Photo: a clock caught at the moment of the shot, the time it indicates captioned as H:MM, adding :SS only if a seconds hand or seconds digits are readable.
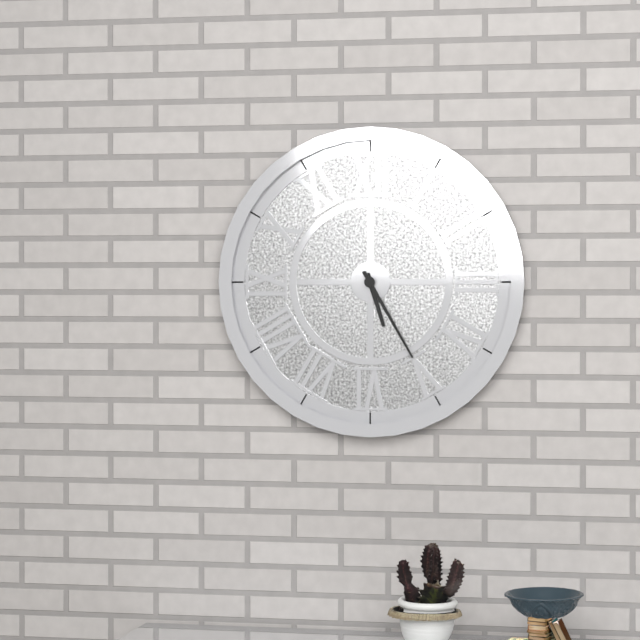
5:25
